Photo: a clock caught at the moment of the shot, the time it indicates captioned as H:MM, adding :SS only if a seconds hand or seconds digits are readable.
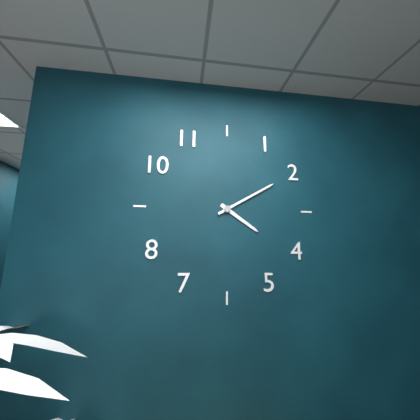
4:10
